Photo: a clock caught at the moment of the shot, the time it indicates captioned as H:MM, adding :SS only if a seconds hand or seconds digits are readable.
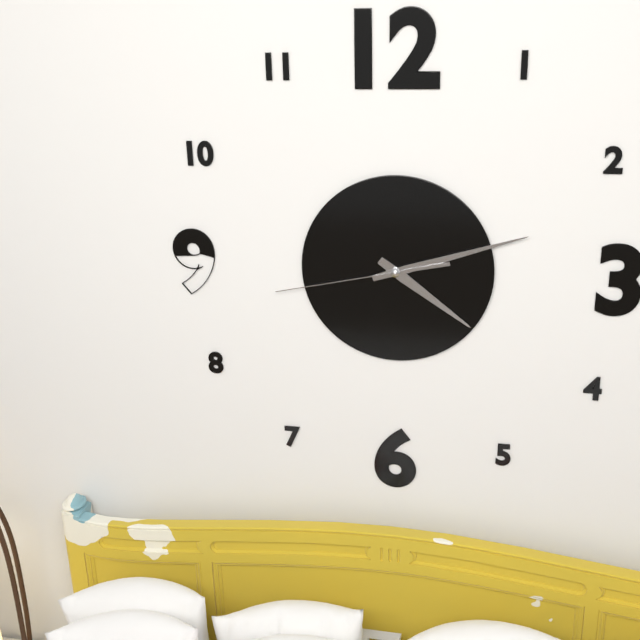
4:12:43
